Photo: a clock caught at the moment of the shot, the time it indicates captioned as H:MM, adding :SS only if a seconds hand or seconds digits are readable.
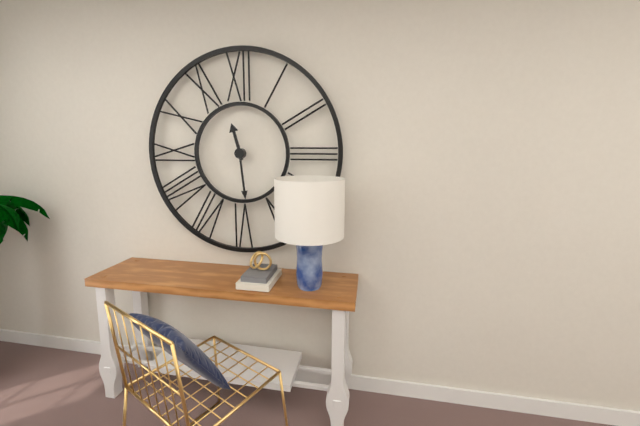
11:29
